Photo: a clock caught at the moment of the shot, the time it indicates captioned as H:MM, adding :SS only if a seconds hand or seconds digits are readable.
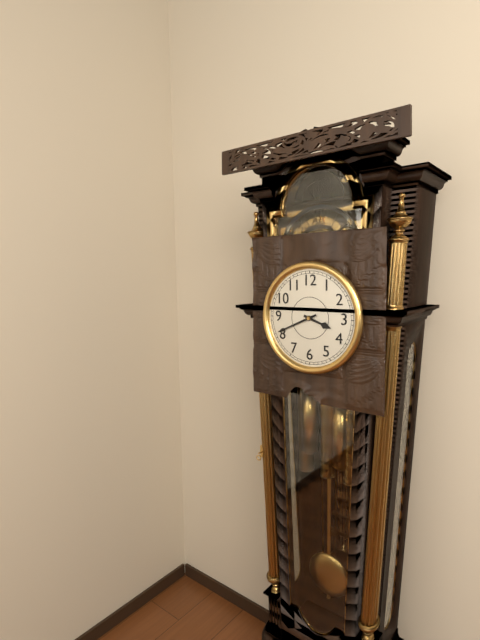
3:41
